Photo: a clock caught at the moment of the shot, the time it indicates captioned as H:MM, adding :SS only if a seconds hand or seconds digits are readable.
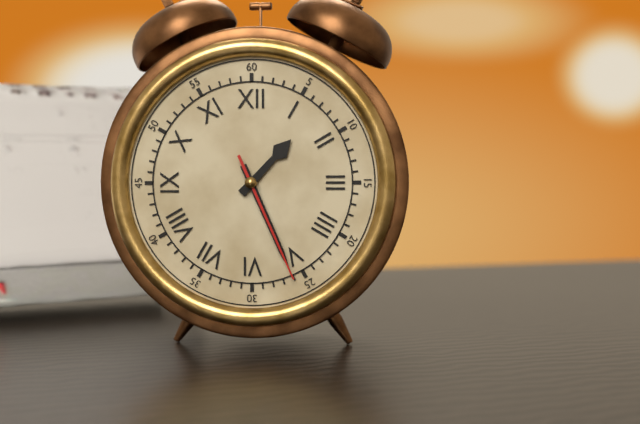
1:26:26
